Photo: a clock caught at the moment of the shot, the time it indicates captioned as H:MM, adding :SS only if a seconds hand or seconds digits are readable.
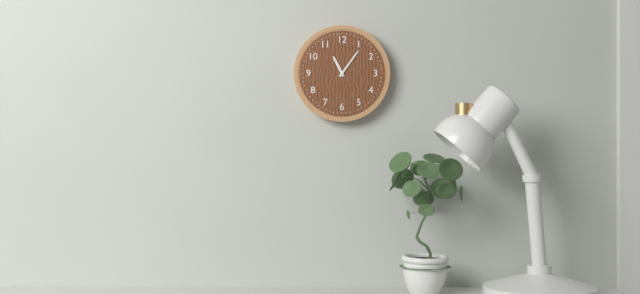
11:06
